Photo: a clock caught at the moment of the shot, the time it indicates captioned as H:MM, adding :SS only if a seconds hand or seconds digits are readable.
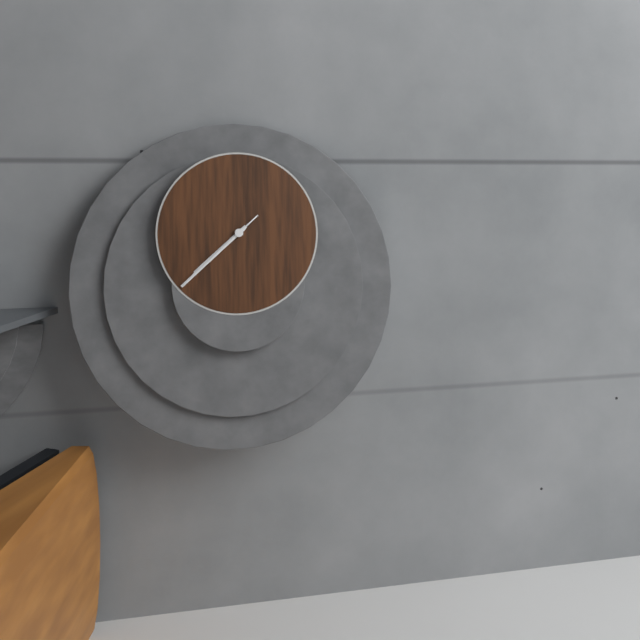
7:38:38
